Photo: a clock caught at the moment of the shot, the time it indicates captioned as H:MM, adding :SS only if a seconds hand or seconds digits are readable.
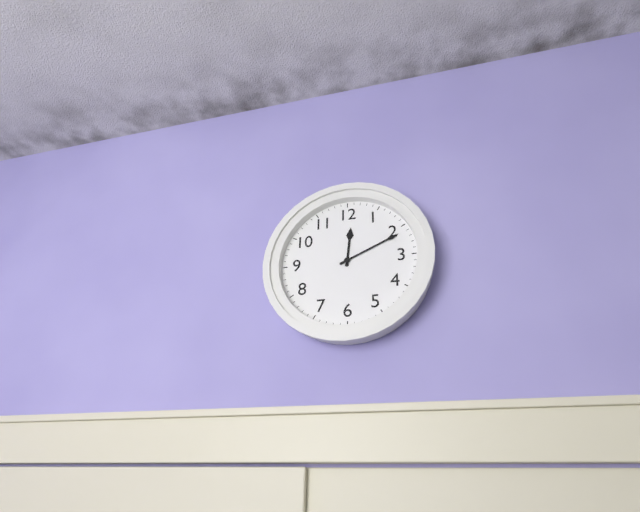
12:11
